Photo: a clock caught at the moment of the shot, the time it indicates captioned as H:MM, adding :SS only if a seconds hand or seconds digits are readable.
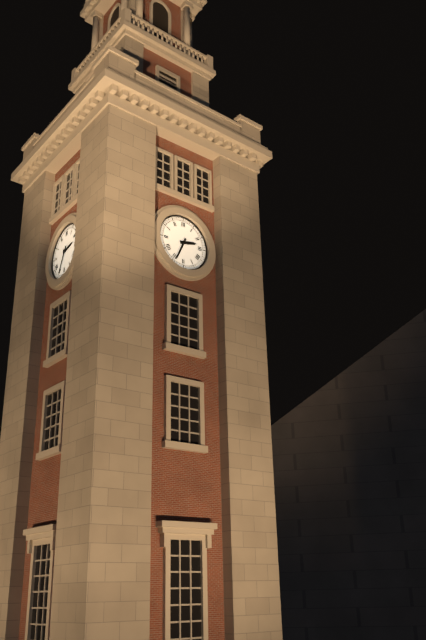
2:34
